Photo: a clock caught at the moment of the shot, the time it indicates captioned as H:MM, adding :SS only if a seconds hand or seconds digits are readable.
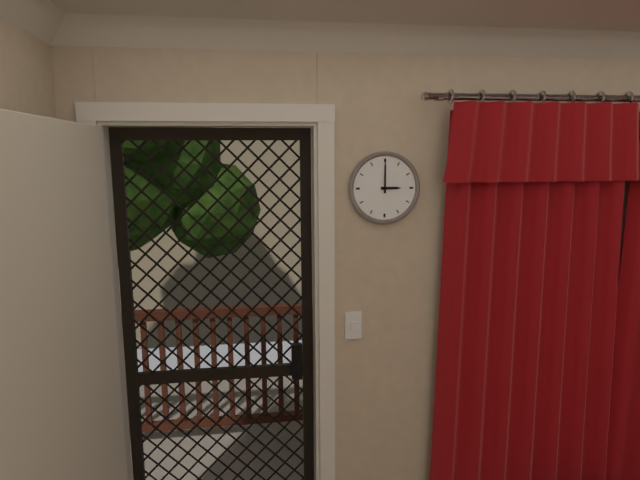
3:00
